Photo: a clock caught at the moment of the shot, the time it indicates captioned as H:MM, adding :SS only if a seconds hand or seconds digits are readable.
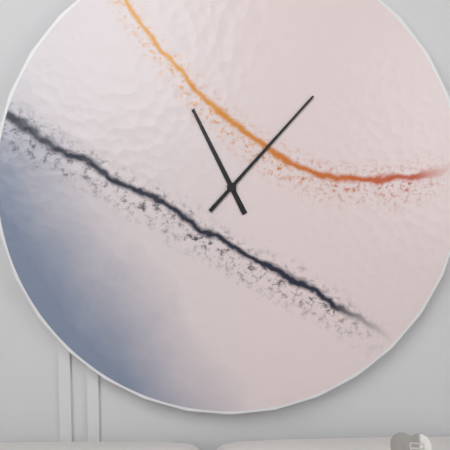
11:07
